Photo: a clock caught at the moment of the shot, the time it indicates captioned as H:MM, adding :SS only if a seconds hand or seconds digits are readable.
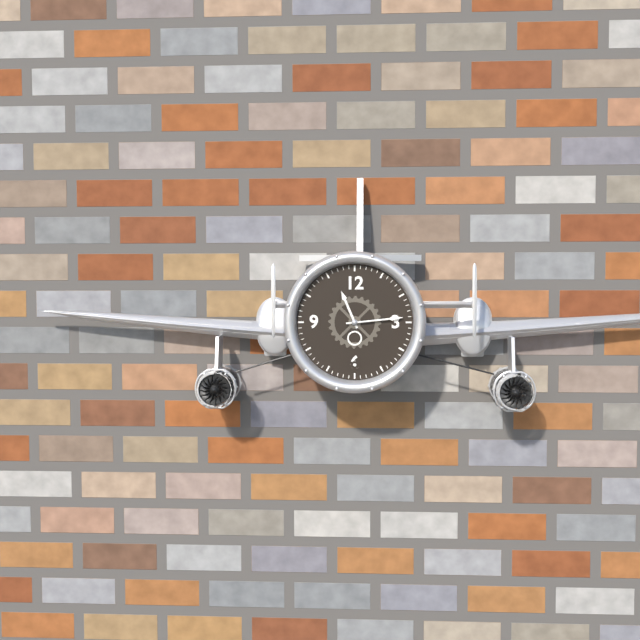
11:14
